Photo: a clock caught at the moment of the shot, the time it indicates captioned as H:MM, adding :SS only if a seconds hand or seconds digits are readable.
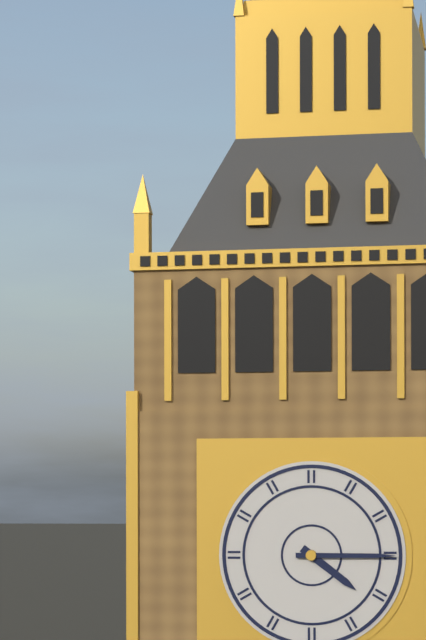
4:15
